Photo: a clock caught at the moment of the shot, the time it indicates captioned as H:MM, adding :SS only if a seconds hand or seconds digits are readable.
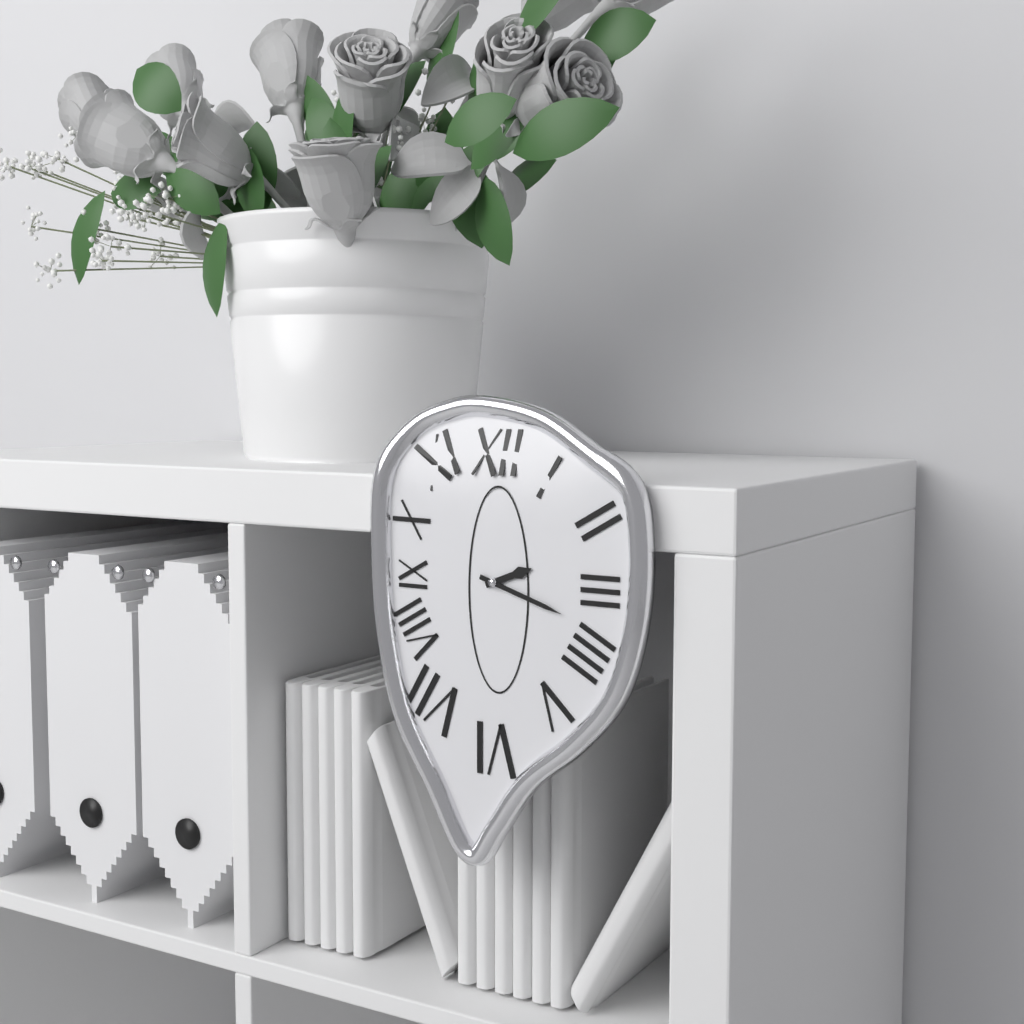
2:18
